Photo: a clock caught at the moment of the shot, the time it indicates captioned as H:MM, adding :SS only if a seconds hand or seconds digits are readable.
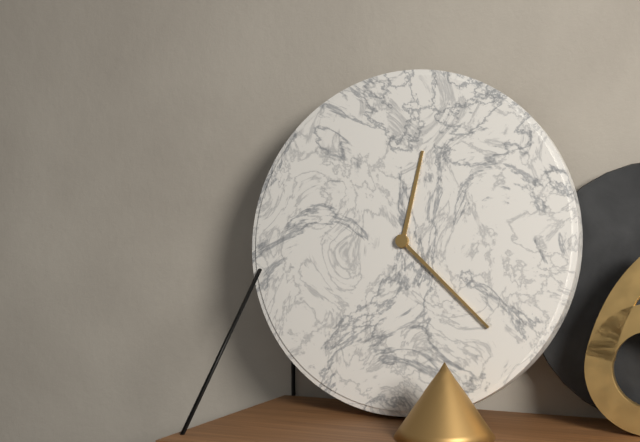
12:22
